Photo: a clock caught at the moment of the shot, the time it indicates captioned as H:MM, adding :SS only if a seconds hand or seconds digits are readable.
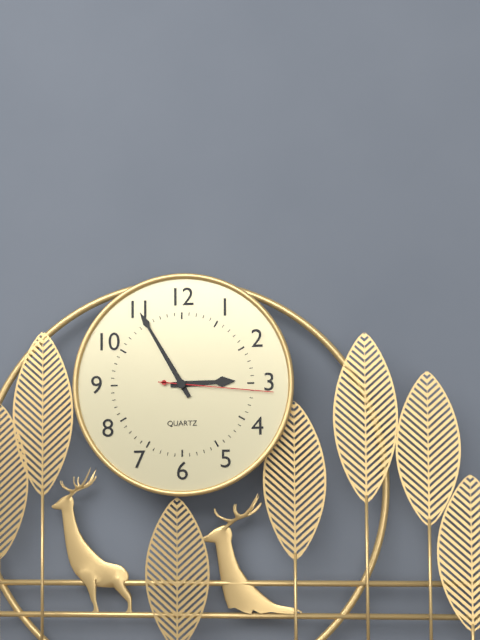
2:55:16
